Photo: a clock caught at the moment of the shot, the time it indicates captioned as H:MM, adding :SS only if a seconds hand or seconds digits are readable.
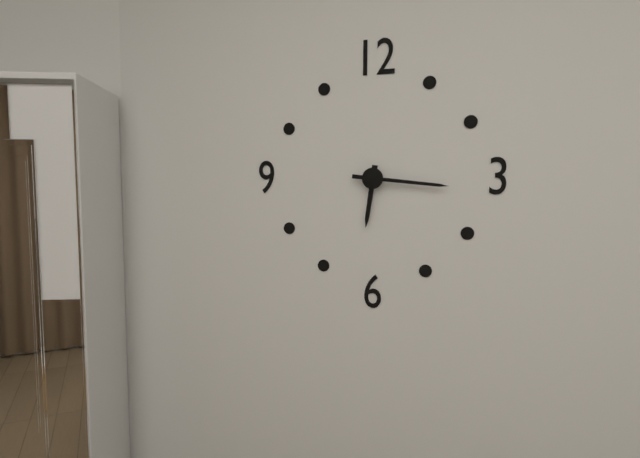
6:16
